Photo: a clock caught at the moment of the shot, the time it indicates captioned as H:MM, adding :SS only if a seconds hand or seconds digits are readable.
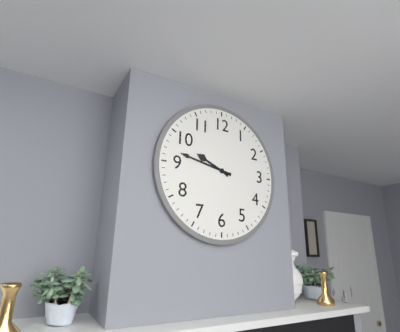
9:47
